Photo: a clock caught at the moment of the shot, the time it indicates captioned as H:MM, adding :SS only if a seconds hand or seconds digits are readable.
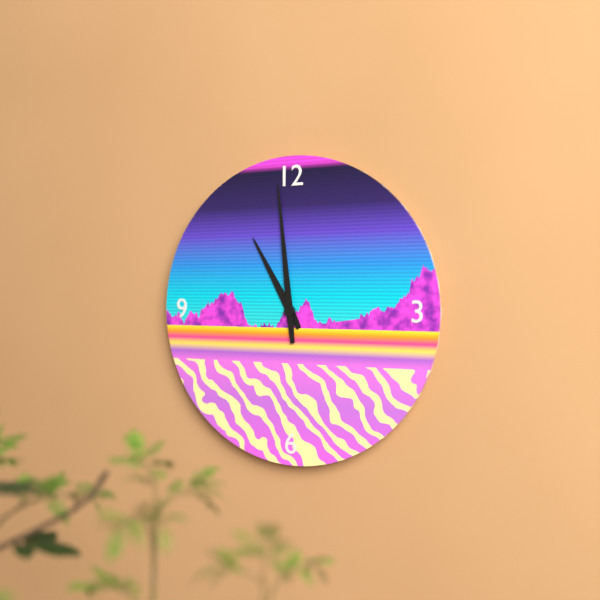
10:59
